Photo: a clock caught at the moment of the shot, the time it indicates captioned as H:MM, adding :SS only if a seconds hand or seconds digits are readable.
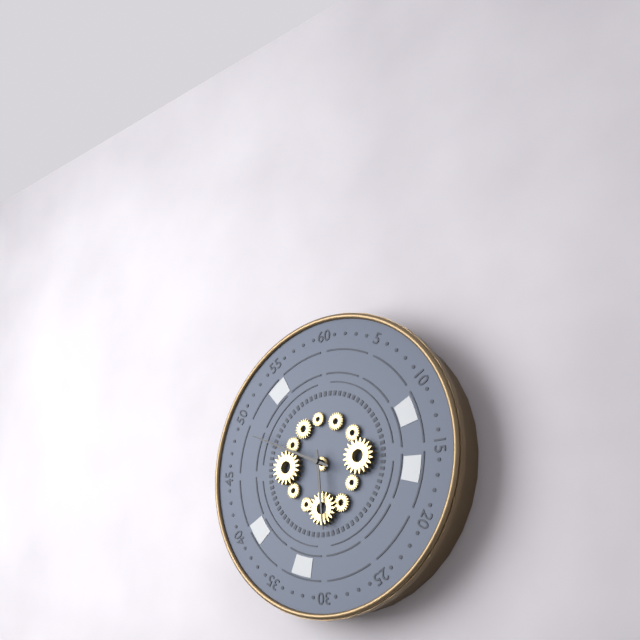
5:49
